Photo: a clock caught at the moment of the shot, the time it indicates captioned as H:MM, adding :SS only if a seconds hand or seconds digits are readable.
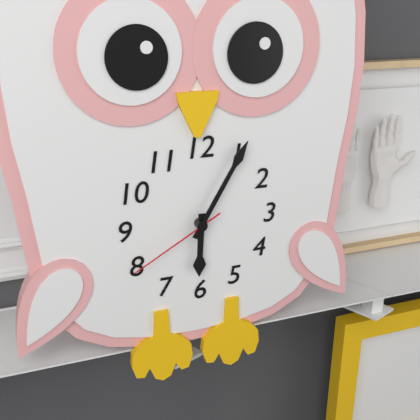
6:05:40
